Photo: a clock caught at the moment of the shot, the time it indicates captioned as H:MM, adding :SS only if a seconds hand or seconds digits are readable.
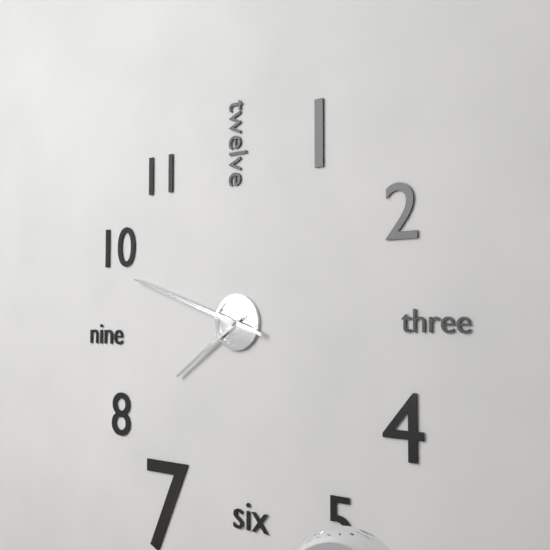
7:48
